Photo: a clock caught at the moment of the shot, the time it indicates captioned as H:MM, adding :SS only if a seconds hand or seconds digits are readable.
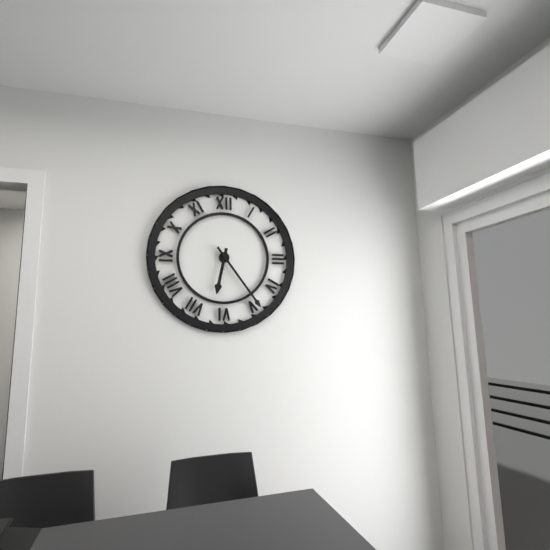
6:24
